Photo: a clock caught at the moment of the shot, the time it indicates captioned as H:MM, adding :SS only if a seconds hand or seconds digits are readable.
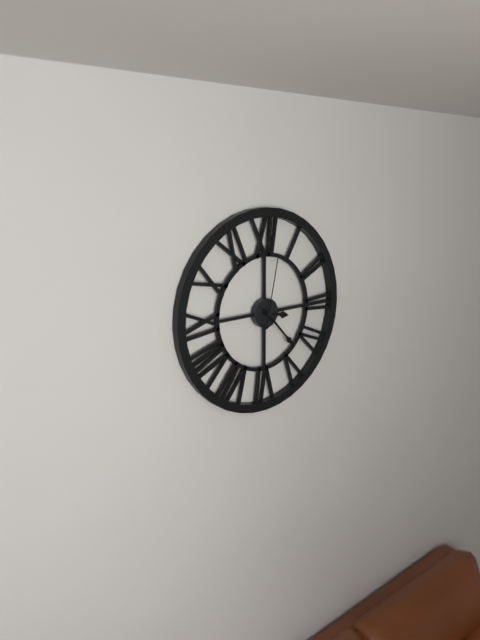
3:23:02
